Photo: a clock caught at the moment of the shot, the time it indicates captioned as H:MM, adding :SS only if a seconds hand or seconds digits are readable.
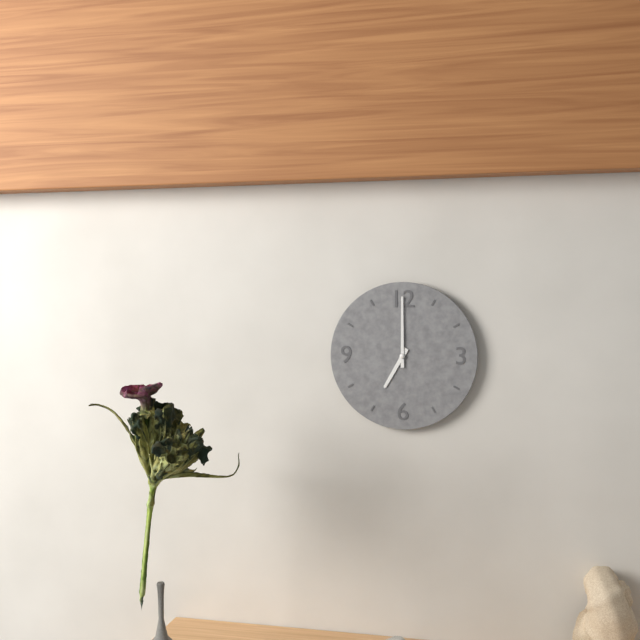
7:00
